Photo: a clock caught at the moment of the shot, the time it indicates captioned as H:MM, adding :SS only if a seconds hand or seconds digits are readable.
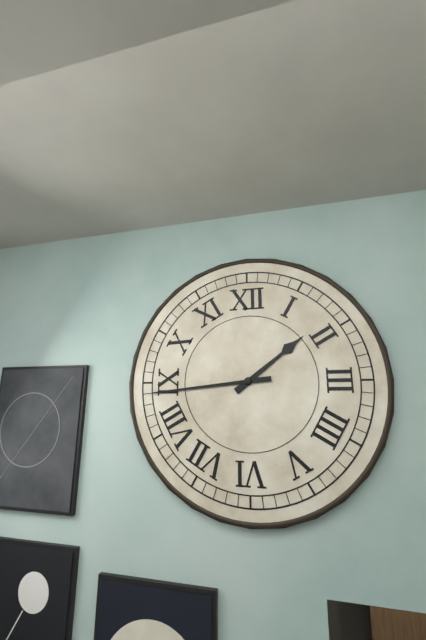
1:44
